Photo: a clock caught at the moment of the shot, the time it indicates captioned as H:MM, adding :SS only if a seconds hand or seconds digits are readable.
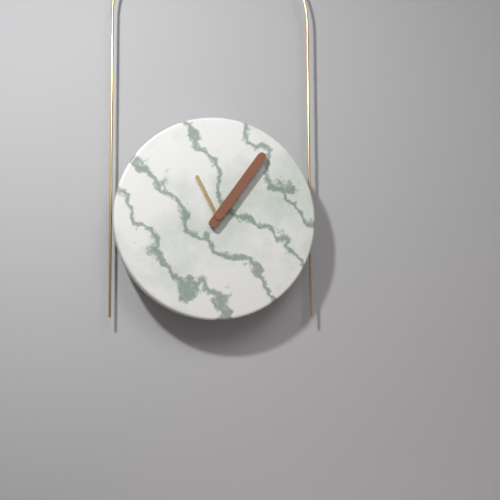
11:06
